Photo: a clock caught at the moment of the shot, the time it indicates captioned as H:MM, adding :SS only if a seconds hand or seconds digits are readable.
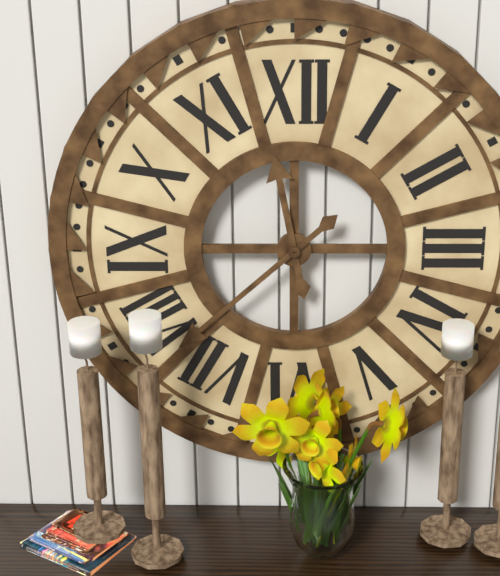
11:38
